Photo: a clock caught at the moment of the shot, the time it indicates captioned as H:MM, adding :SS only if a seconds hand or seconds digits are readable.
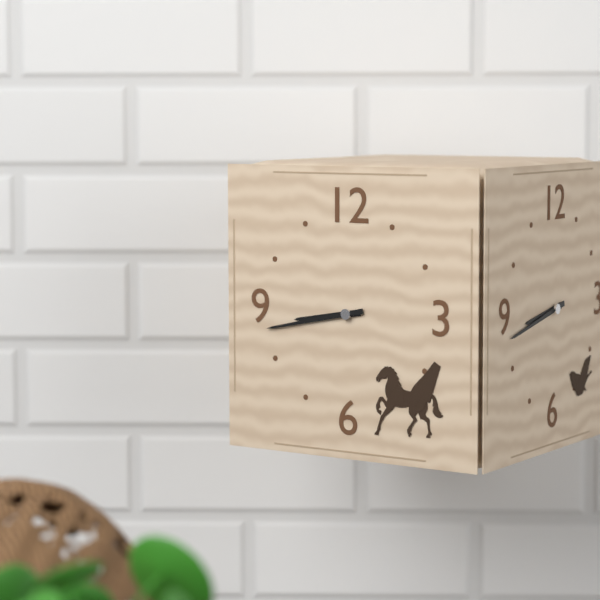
8:43
